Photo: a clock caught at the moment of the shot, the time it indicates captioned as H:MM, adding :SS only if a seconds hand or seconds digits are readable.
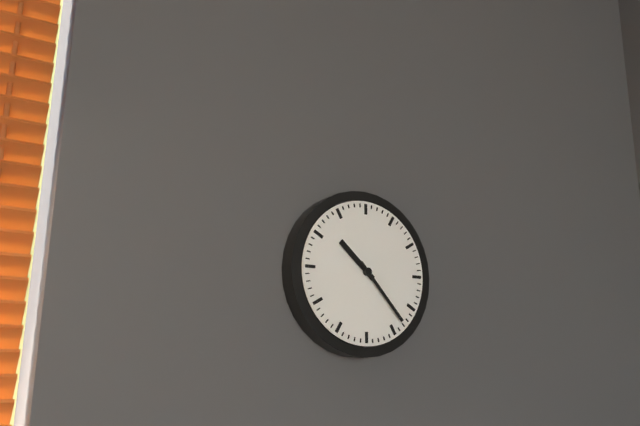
10:23
